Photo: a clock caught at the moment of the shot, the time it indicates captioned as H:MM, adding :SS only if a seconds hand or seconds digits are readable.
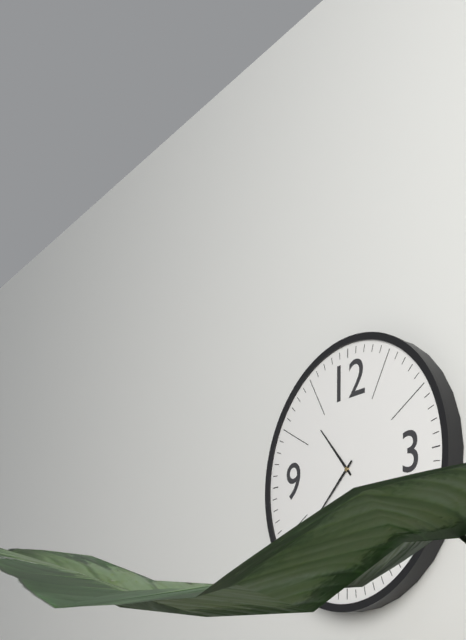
10:38
